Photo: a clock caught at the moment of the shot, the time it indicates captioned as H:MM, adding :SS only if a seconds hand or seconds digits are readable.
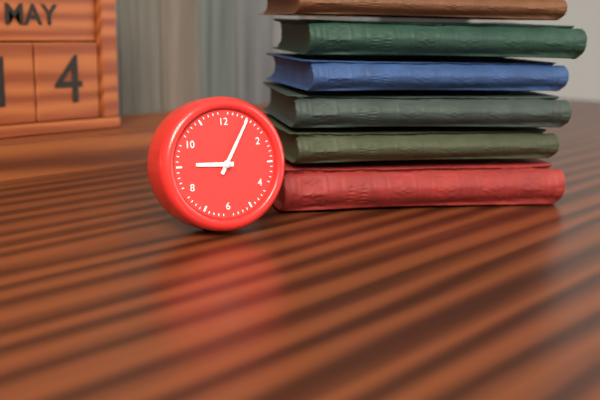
9:05
